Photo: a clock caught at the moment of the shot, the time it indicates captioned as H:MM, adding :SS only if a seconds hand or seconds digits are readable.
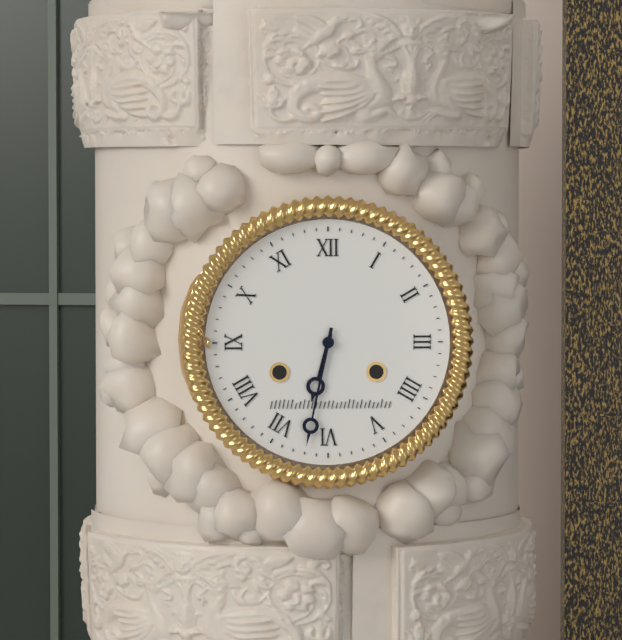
6:32
